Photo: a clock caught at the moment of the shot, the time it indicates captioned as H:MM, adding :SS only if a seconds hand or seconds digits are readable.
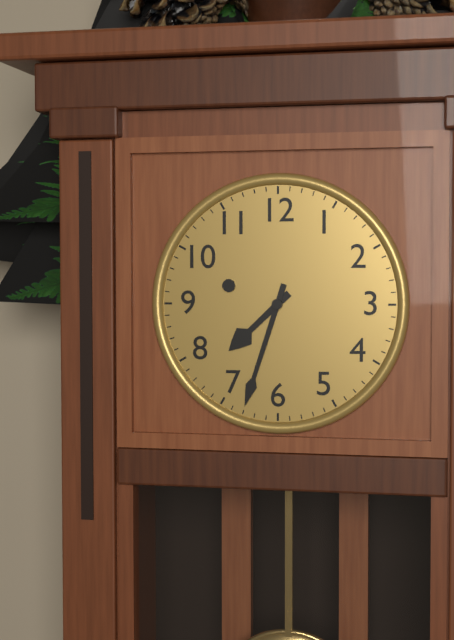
7:33
